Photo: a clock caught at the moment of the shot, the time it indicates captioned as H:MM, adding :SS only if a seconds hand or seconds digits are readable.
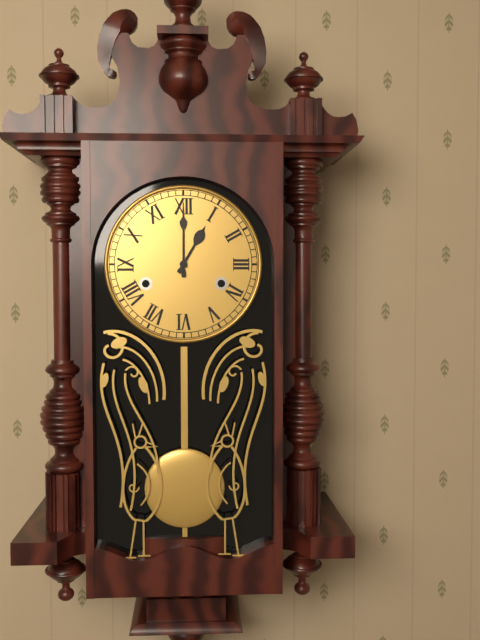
1:00
